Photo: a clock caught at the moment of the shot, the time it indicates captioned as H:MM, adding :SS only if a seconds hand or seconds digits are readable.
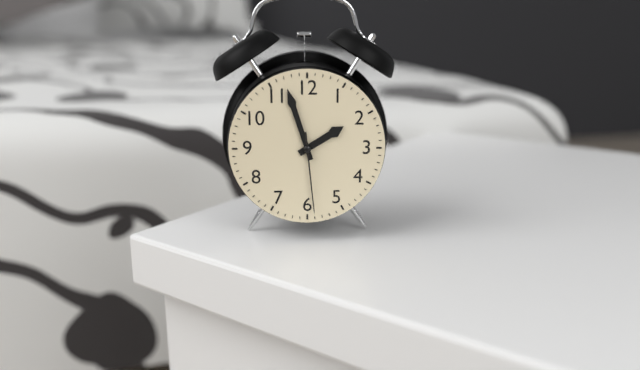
1:57:29
